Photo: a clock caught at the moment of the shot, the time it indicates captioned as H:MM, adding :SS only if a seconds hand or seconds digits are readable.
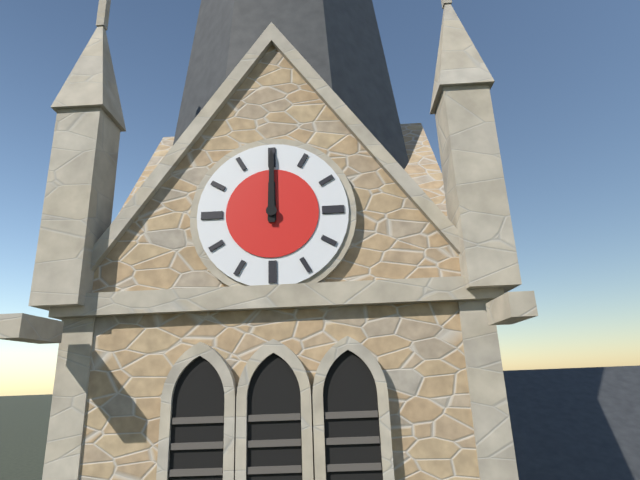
12:00
